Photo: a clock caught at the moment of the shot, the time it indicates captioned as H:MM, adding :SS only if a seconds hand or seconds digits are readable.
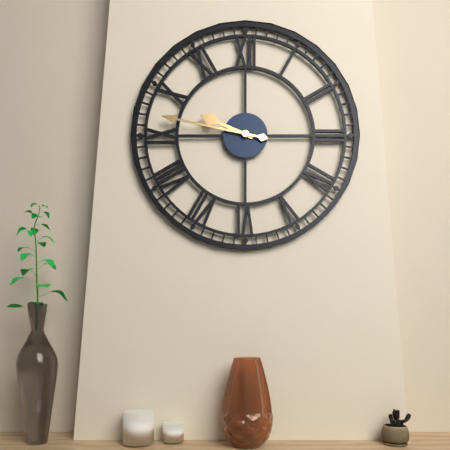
9:47
